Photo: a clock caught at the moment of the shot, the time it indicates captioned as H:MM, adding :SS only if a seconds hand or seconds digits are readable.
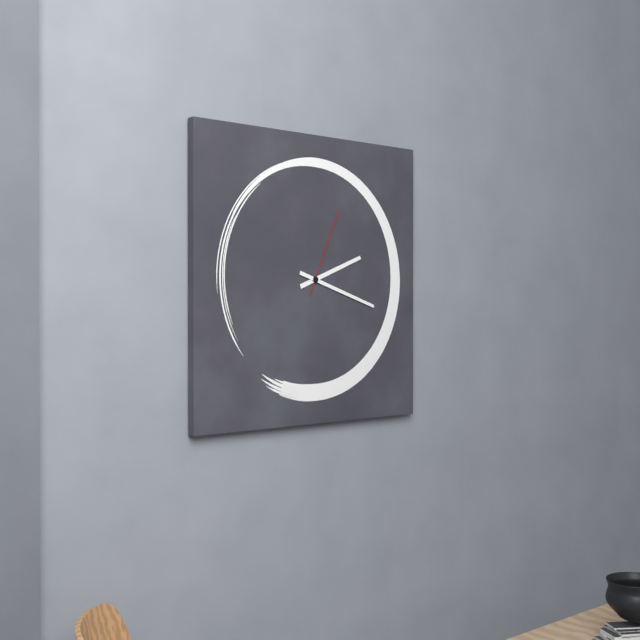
2:18:04
